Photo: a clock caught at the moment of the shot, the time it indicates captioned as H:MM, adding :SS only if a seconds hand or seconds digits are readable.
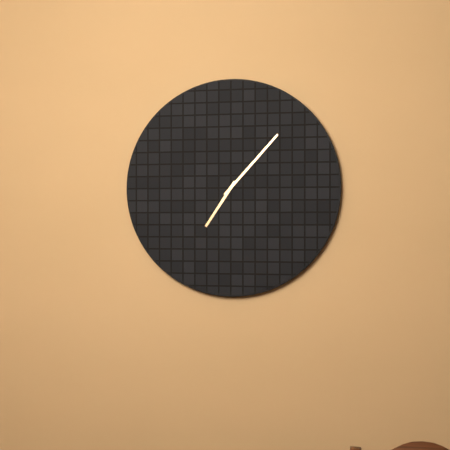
7:07
